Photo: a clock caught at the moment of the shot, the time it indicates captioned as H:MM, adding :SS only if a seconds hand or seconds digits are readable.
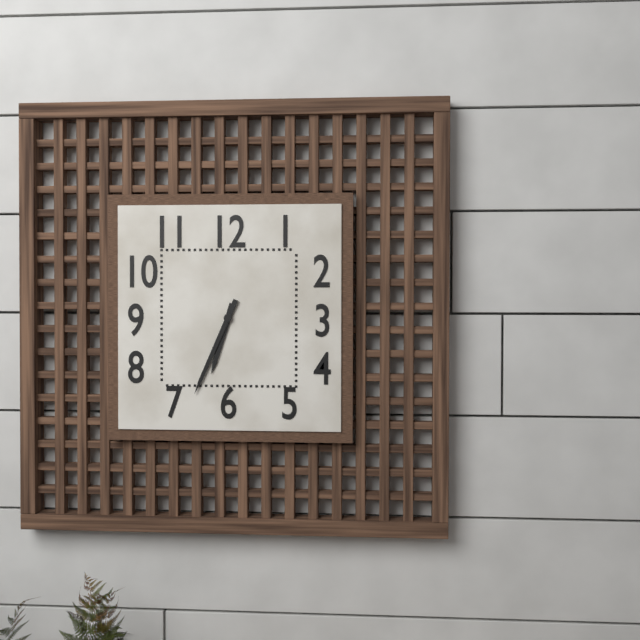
6:34
